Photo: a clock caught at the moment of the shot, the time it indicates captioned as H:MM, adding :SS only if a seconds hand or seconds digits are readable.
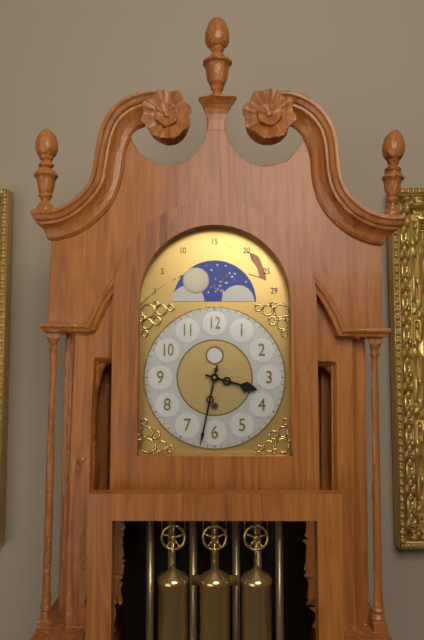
3:32
